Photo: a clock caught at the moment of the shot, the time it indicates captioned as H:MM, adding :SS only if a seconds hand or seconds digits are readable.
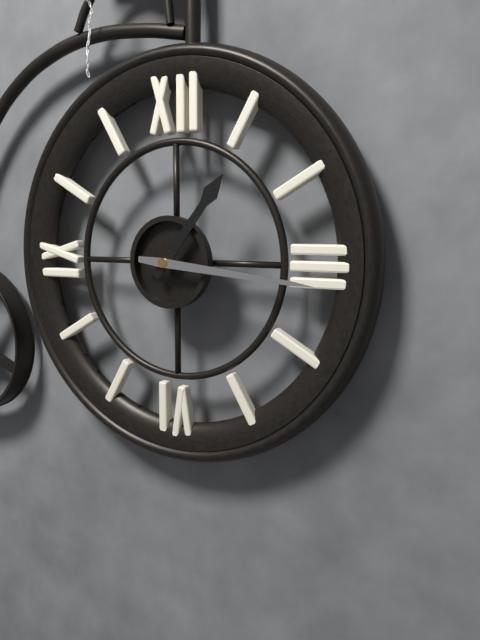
1:16
